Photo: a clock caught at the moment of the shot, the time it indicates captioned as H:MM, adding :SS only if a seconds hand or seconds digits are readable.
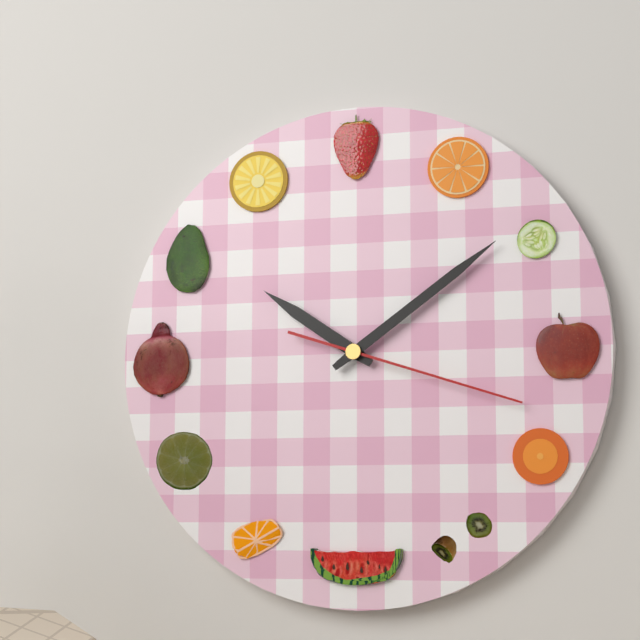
10:09:18
